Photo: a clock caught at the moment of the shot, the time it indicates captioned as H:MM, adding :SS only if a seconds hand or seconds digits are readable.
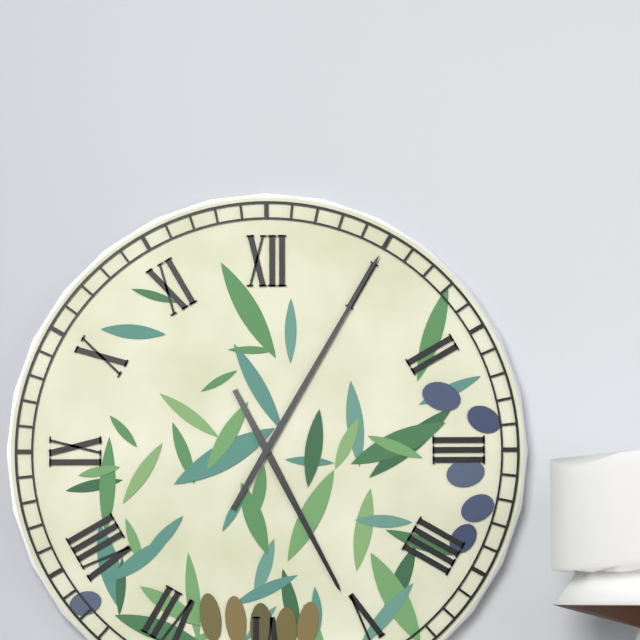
5:05
